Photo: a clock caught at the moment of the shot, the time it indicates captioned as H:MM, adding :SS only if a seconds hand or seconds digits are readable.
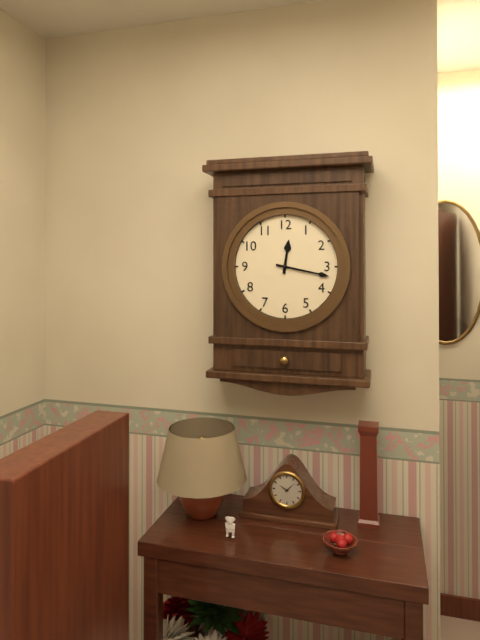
12:17
